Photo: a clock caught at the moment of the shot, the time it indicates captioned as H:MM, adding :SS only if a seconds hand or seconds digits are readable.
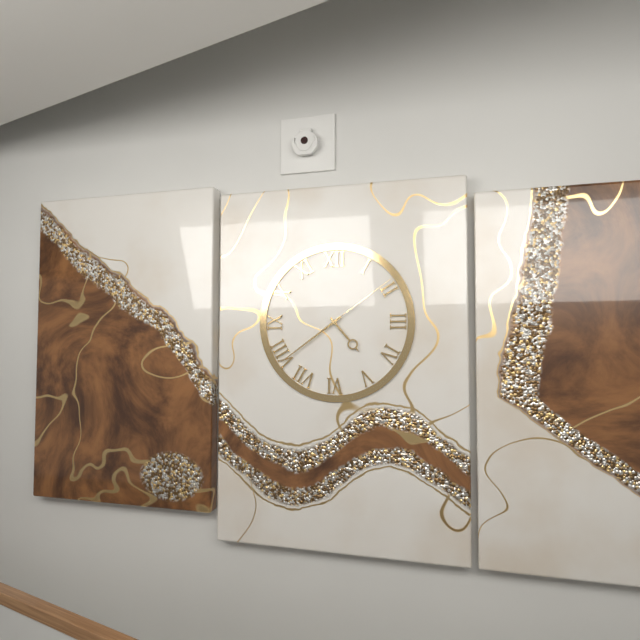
4:39:09
